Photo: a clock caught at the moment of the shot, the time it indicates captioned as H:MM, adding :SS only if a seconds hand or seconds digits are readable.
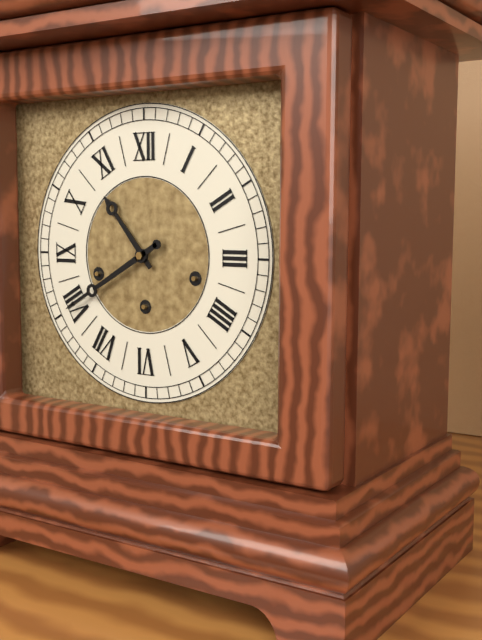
10:40
